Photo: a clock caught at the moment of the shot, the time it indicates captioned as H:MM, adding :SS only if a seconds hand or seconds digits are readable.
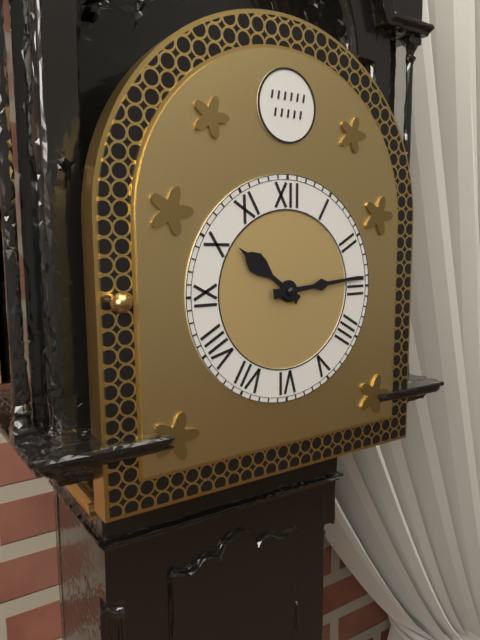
10:14
